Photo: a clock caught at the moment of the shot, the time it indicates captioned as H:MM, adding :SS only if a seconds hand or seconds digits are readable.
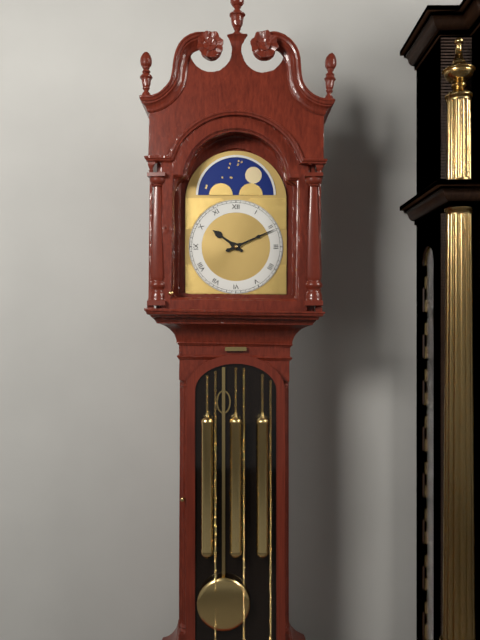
10:11
